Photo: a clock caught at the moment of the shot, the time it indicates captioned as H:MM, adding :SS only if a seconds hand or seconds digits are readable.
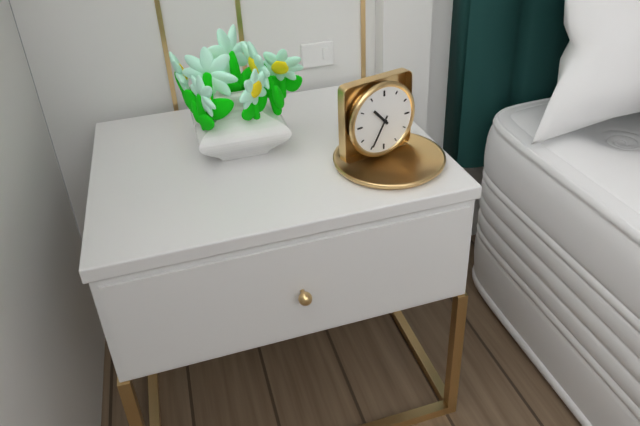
10:35
